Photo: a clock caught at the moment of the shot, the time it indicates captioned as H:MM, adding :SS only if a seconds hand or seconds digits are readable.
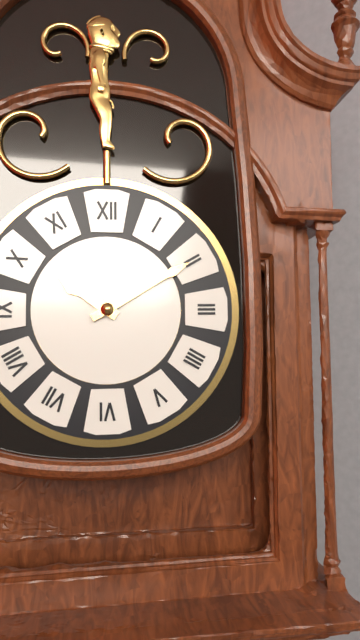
10:10
